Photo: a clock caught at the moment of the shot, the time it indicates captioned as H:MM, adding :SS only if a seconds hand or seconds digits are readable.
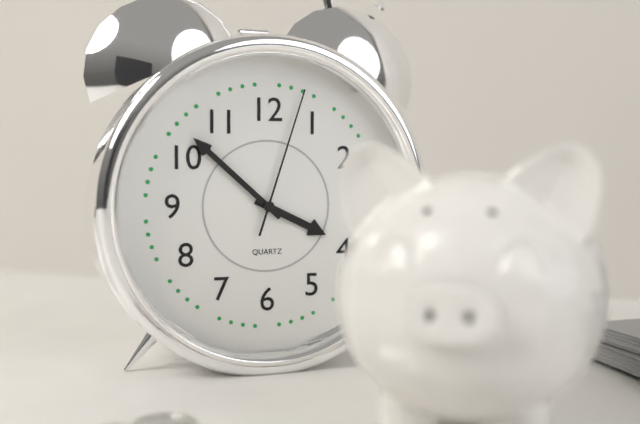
3:52:03
